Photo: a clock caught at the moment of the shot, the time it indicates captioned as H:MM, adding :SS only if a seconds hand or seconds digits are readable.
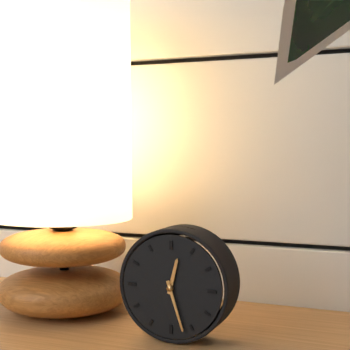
12:27
